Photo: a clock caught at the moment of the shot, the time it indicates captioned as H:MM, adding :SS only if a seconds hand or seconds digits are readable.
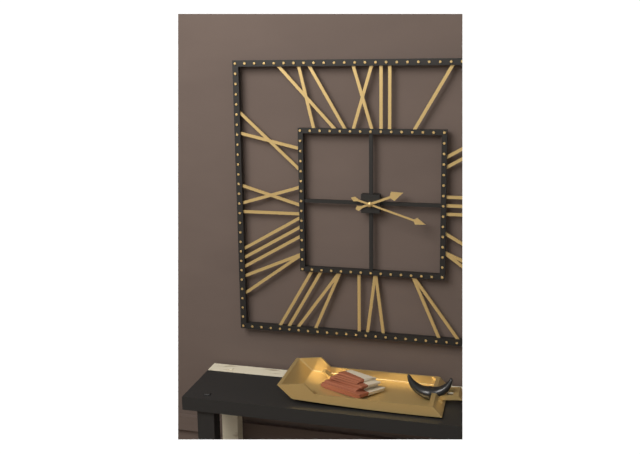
2:18
